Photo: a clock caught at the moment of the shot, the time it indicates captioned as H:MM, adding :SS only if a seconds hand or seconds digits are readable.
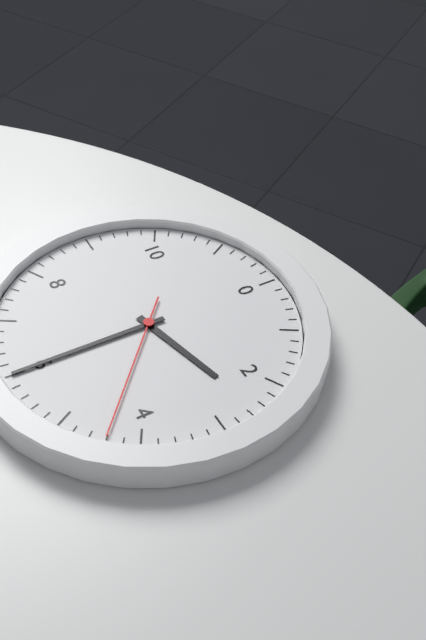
2:30:22
